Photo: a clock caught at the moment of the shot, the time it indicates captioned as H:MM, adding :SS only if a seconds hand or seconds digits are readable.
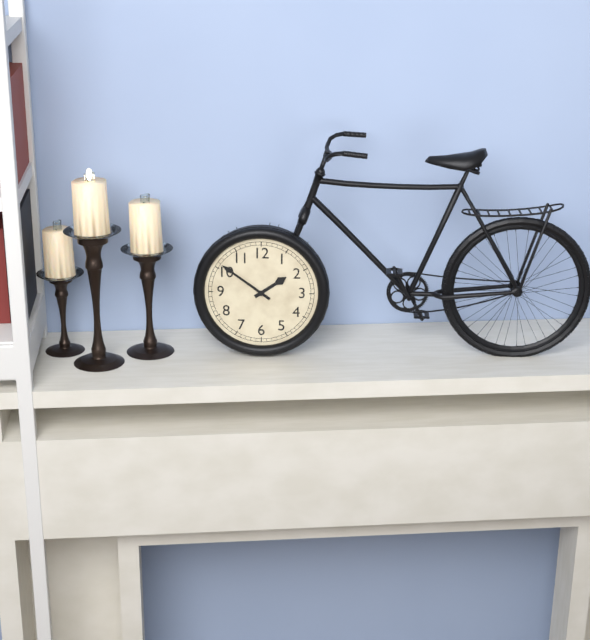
1:51
